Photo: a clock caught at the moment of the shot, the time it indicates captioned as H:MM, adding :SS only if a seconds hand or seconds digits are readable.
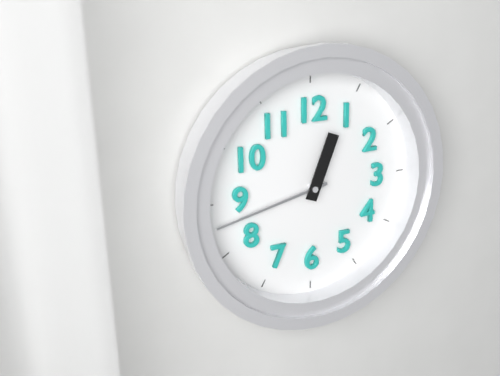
12:43
